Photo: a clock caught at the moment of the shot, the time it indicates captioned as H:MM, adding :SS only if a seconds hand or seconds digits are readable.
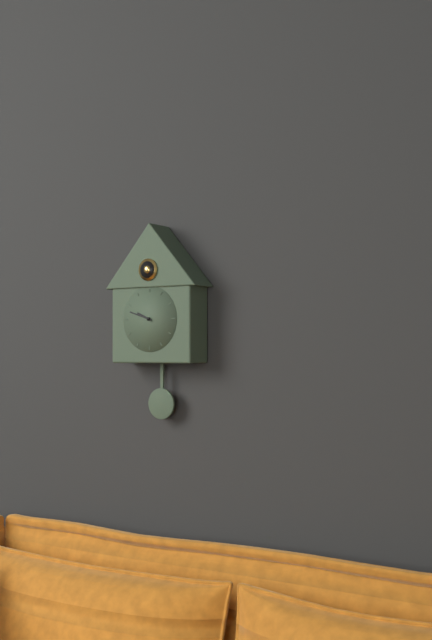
9:48
